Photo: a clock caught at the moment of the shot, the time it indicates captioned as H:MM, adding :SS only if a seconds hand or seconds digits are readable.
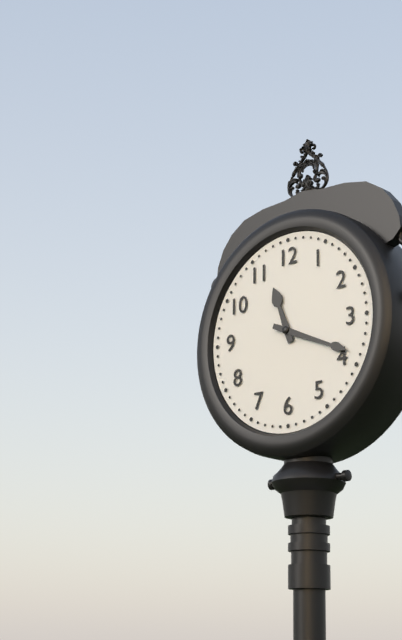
11:19
